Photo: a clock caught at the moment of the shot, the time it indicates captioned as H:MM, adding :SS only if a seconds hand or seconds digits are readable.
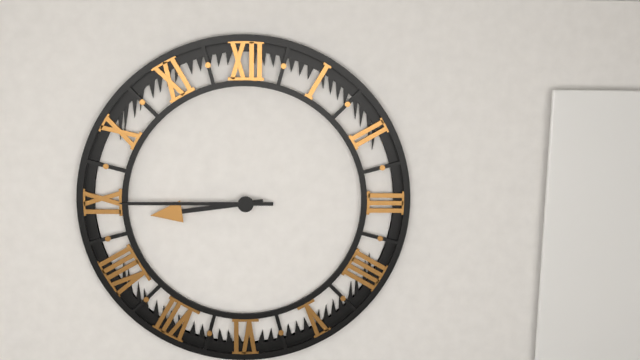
8:45
